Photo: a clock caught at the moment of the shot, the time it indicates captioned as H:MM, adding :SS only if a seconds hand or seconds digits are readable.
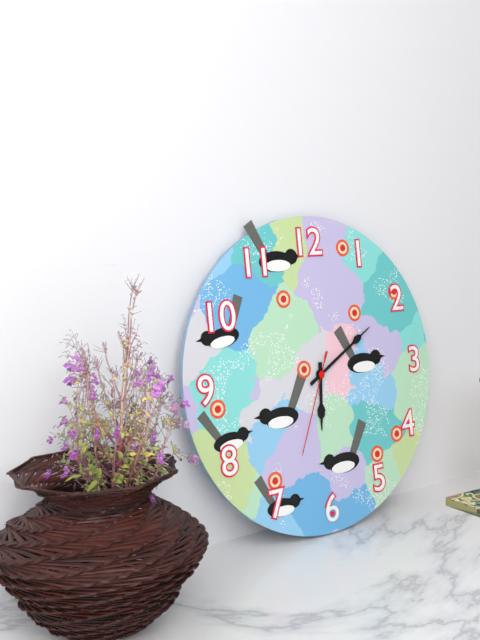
6:10:34
